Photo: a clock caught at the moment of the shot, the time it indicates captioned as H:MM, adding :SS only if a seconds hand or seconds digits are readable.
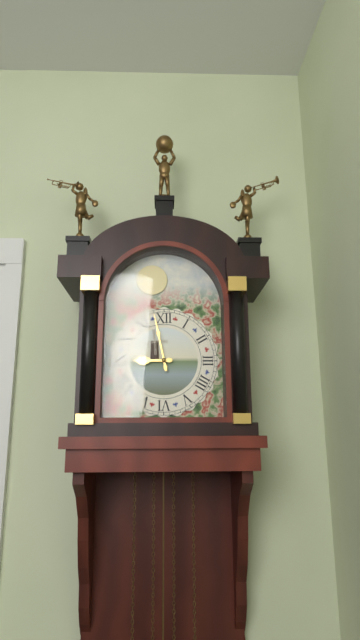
8:58
